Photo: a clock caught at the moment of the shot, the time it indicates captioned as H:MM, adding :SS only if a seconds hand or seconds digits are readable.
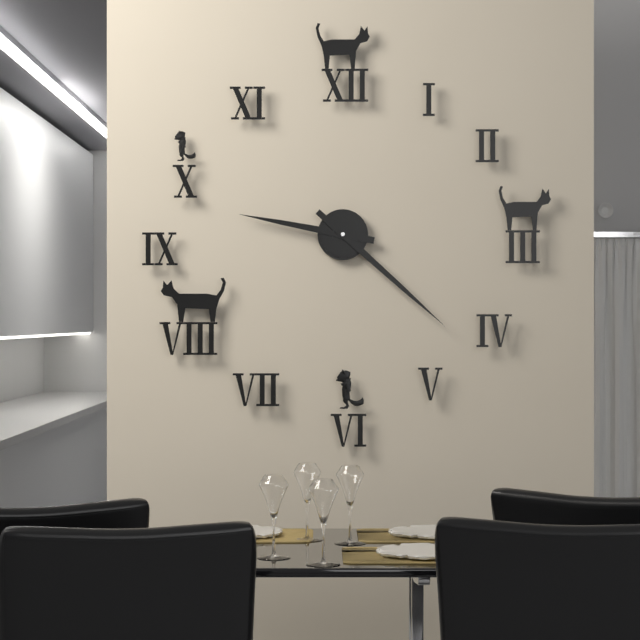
9:22
